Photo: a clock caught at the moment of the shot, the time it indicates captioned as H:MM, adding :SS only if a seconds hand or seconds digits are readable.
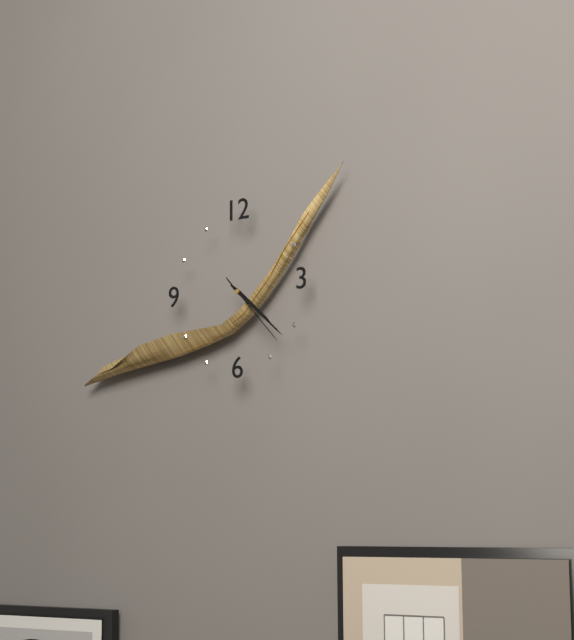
4:22:23
